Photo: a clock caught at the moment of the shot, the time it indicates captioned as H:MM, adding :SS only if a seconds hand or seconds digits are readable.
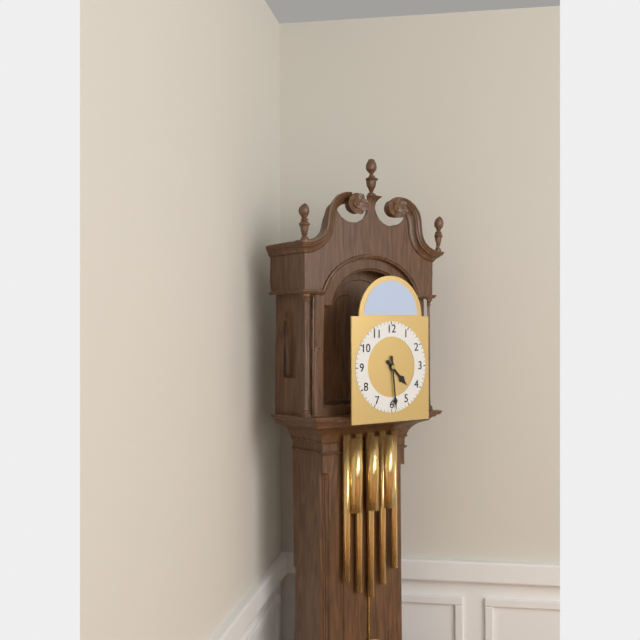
4:29
